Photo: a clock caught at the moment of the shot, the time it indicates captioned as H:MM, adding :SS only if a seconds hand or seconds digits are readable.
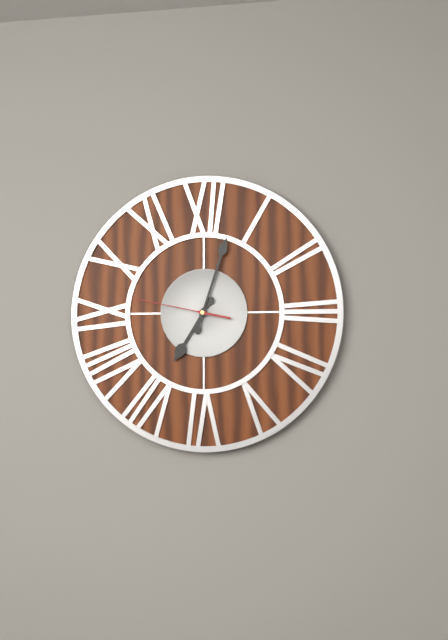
7:03:47
